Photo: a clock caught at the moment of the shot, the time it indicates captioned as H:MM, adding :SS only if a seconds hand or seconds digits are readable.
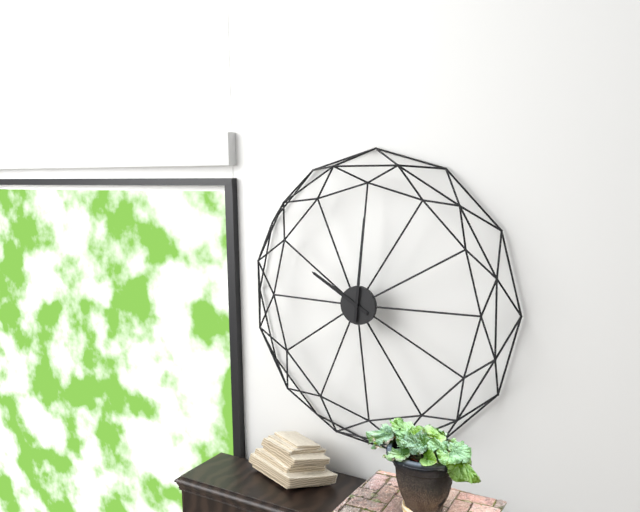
10:01
